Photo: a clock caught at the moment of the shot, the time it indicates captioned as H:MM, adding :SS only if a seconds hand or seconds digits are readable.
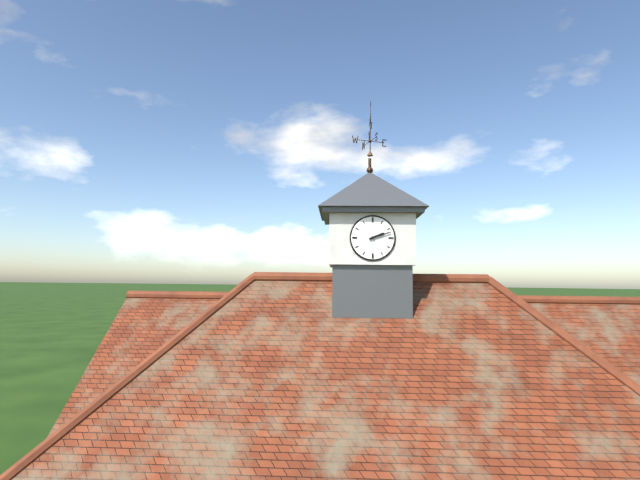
2:12
